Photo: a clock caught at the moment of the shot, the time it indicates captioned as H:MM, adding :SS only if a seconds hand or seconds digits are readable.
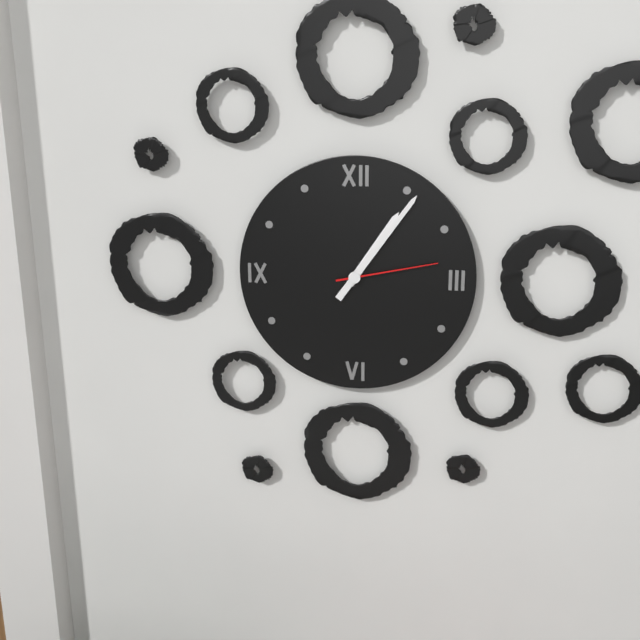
1:06:13
